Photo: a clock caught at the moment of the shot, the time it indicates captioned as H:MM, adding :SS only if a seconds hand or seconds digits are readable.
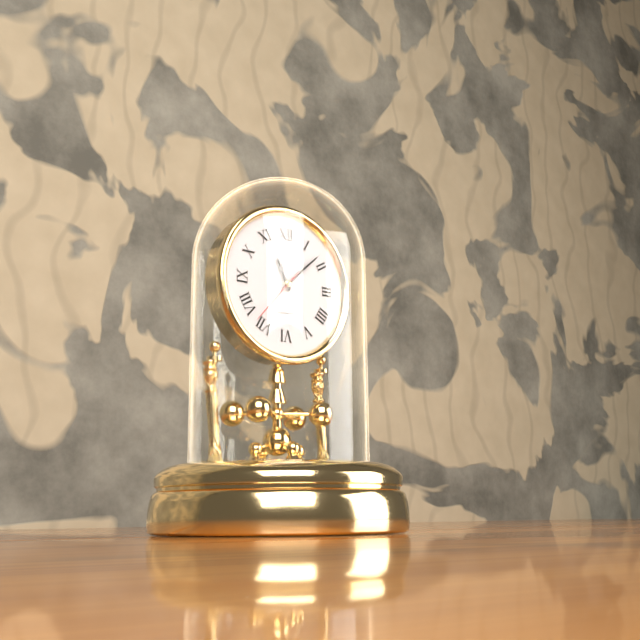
11:08:37
